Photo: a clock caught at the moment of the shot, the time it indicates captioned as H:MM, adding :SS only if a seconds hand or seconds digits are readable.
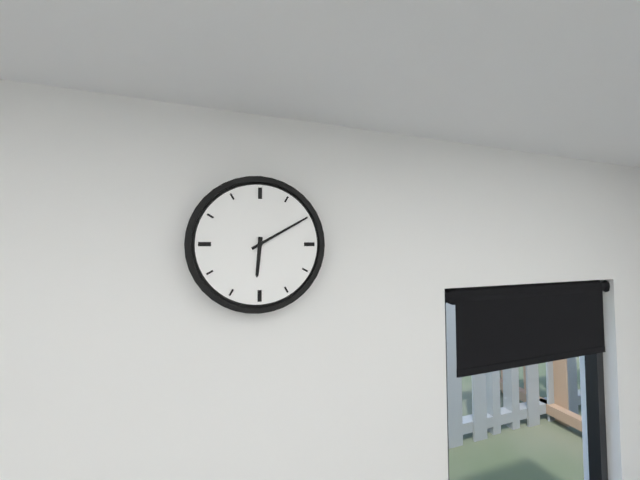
6:10
